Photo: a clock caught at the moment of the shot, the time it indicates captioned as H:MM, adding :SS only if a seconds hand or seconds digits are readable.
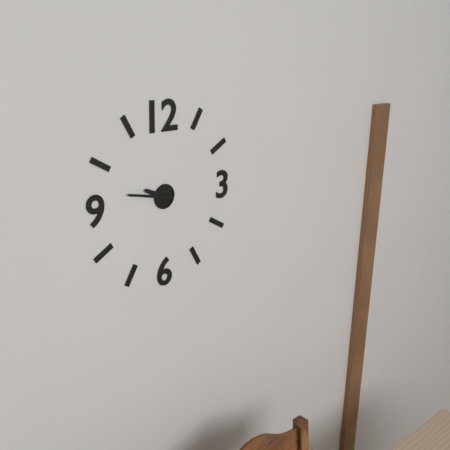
9:47
